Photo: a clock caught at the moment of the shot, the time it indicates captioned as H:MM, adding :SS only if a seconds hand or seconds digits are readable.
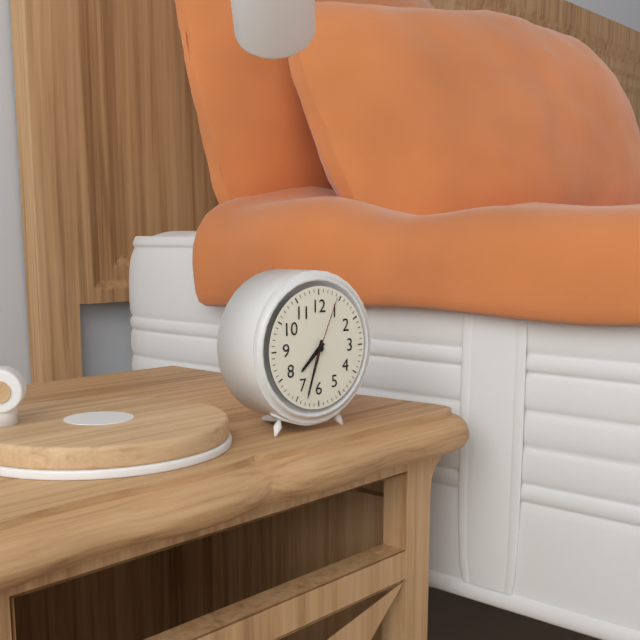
7:33:04
